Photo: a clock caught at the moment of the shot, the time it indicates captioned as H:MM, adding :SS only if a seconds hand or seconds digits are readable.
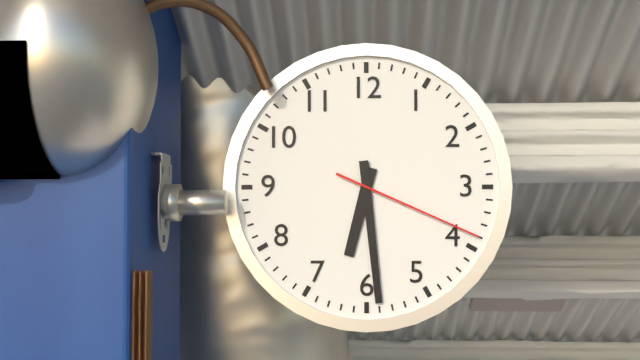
6:29:19
